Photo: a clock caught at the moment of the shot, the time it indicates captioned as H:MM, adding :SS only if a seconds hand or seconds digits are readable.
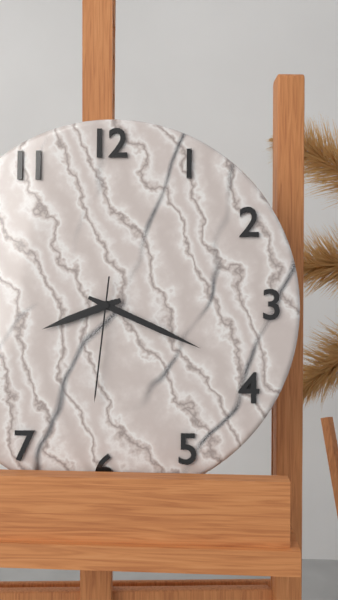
8:19:31
